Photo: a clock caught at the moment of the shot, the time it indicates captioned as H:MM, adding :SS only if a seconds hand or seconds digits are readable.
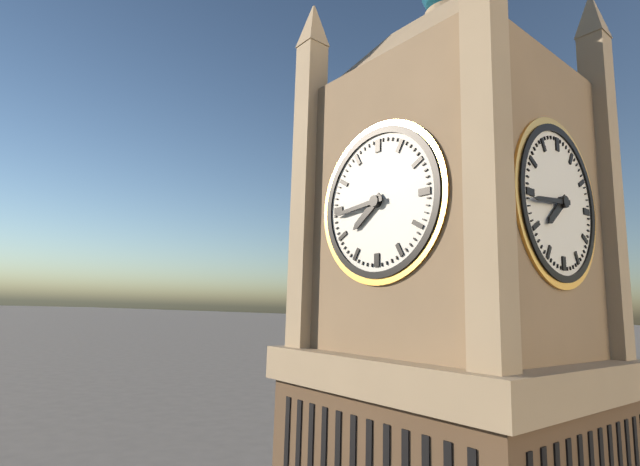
7:44
